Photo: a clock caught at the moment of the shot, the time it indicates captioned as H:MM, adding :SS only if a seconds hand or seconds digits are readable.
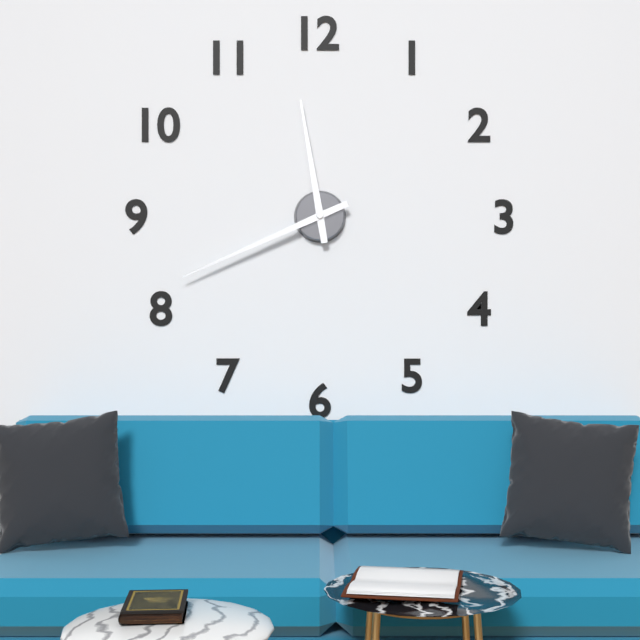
11:41
